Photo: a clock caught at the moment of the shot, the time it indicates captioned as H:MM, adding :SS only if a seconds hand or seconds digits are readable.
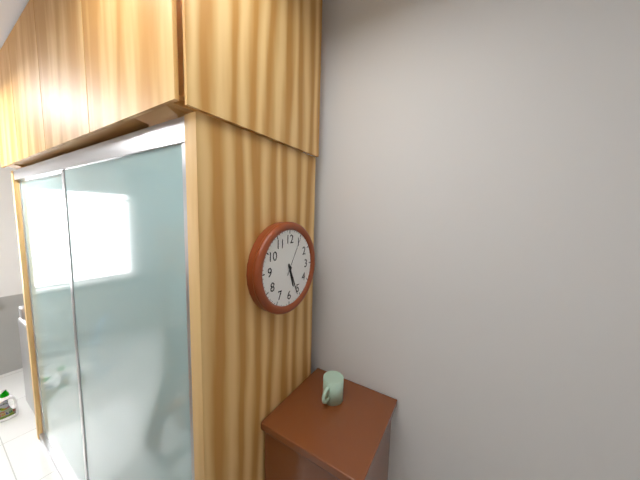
5:26
